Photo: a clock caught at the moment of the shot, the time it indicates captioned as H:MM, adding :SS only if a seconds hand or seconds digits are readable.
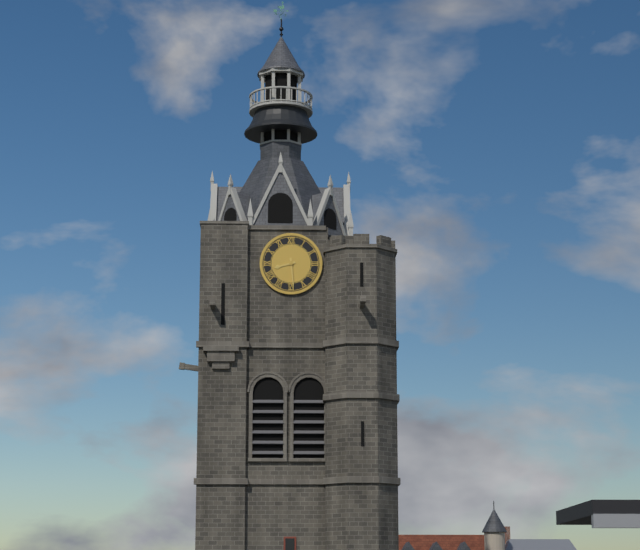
8:29
